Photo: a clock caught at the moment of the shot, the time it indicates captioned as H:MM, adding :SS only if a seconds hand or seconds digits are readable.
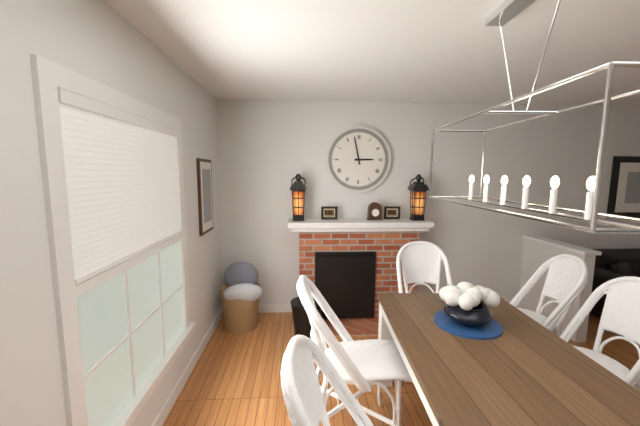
2:58
